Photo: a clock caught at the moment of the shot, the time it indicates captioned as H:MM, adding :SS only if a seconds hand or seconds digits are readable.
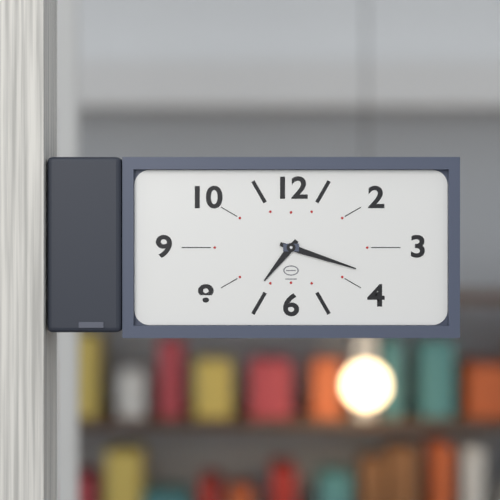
7:18
